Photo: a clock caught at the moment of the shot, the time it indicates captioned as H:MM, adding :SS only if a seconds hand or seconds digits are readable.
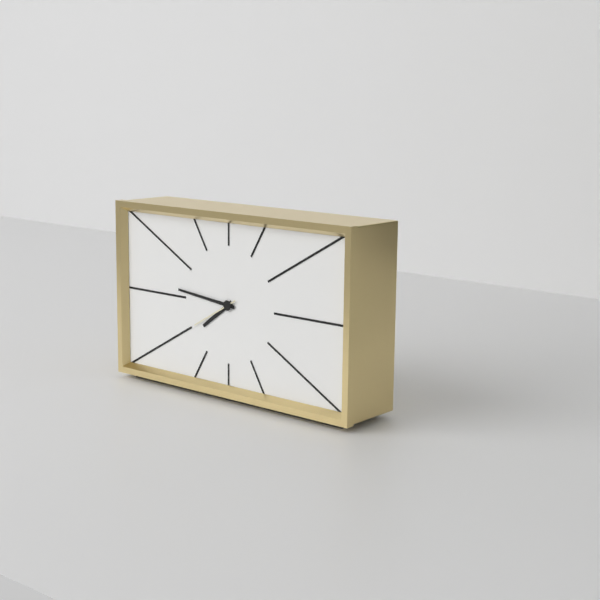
7:46
